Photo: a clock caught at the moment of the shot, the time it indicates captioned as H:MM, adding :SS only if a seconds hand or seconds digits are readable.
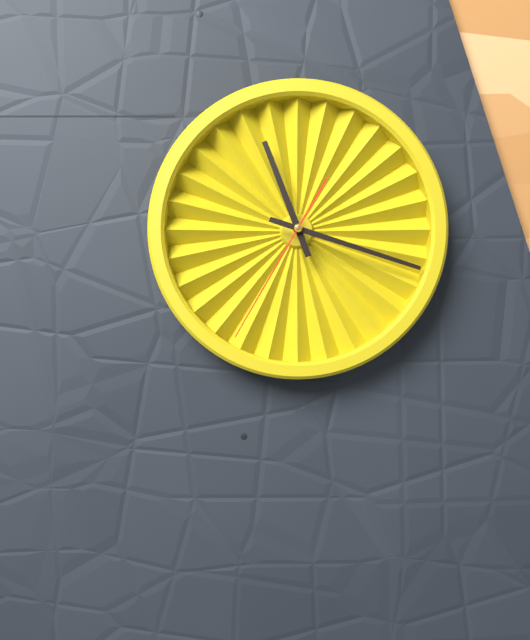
11:18:35
